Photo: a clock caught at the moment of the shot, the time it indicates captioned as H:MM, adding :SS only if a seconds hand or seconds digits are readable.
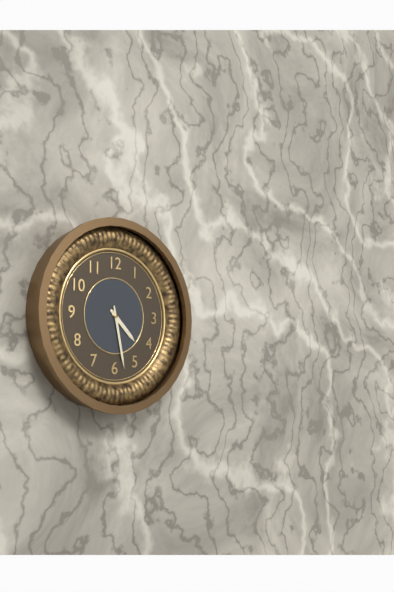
4:28
